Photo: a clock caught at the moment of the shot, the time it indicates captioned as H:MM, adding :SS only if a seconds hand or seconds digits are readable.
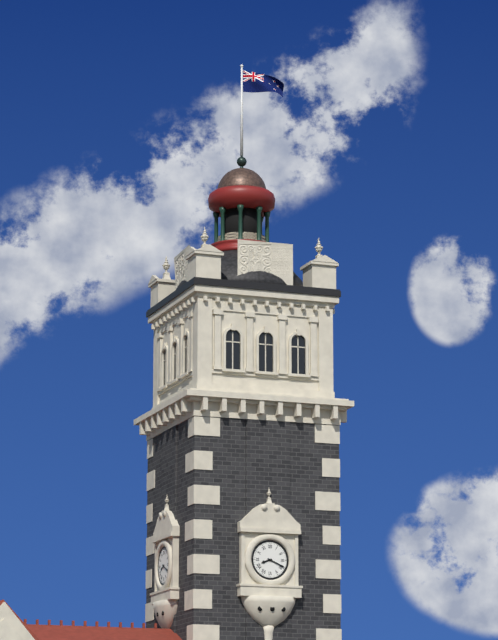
8:19
